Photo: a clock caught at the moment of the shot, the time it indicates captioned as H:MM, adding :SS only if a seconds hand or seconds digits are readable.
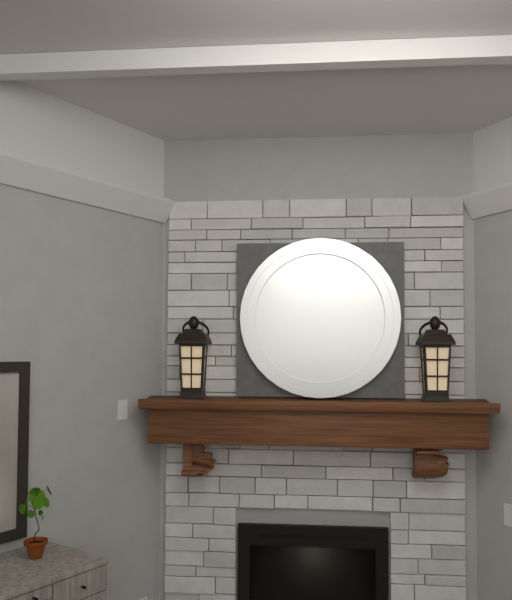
12:32
